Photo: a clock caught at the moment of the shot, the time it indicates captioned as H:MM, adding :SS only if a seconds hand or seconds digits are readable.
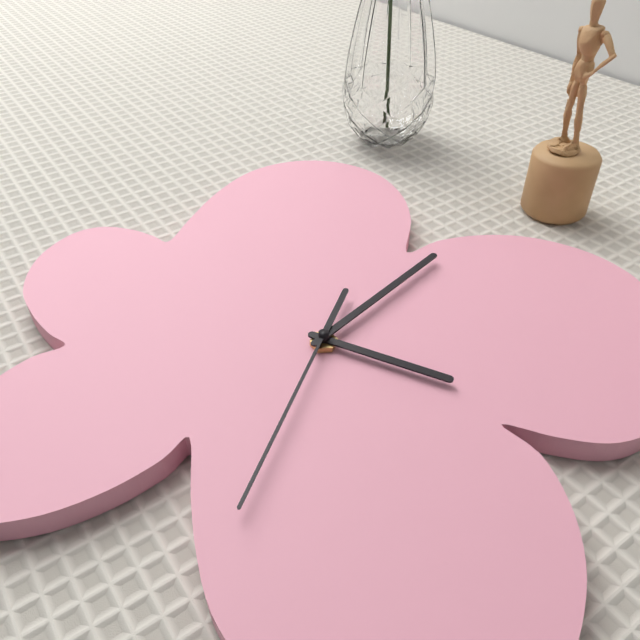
3:03:29
